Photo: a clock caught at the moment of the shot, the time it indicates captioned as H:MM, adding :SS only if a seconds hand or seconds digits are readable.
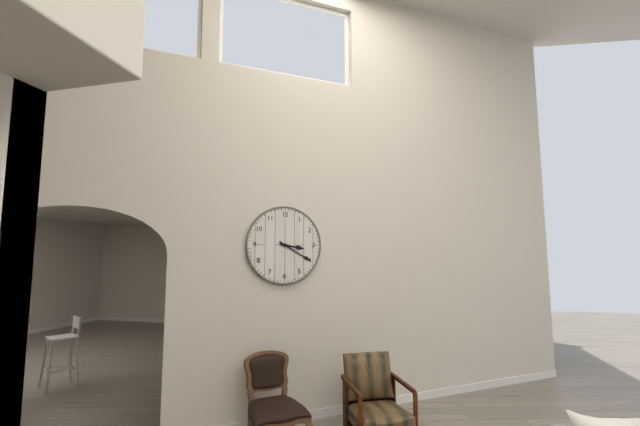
3:20
